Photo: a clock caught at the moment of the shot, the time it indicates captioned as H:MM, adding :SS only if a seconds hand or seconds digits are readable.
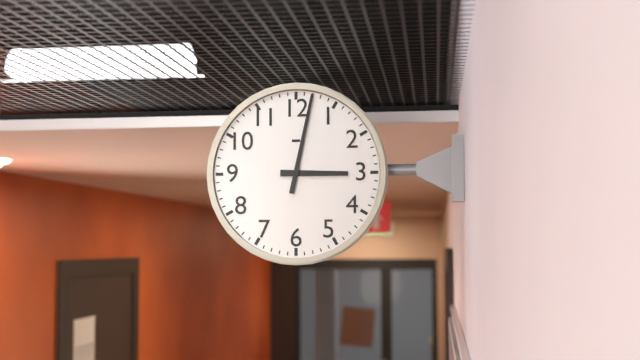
3:02
